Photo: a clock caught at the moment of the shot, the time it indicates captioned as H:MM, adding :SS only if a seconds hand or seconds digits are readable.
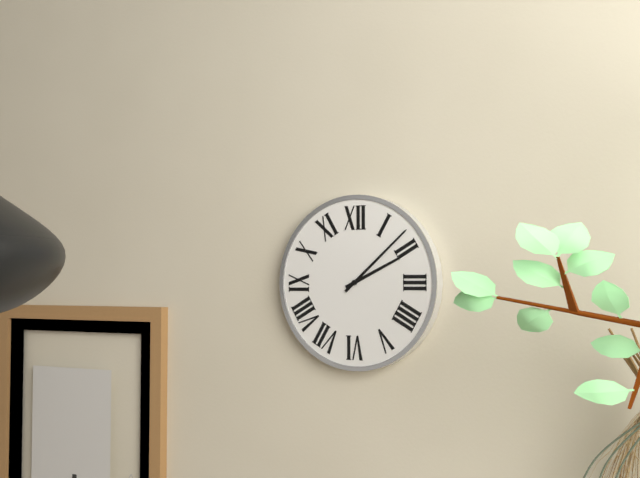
2:08
